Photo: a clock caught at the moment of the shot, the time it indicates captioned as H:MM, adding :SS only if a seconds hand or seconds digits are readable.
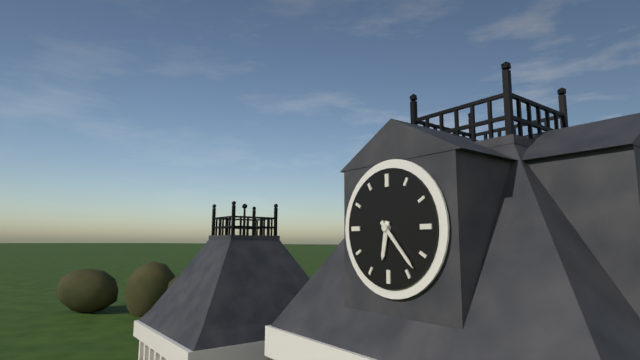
6:23
